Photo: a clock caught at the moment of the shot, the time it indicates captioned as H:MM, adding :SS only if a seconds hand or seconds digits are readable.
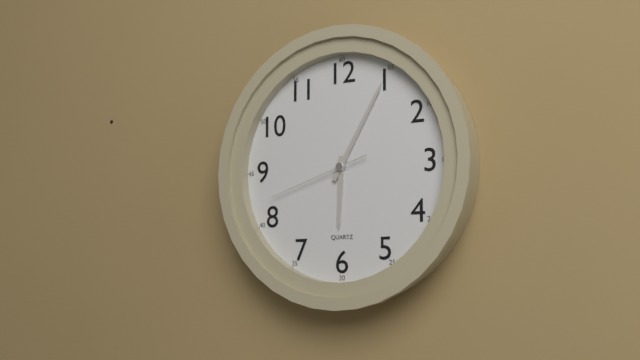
6:05:42
